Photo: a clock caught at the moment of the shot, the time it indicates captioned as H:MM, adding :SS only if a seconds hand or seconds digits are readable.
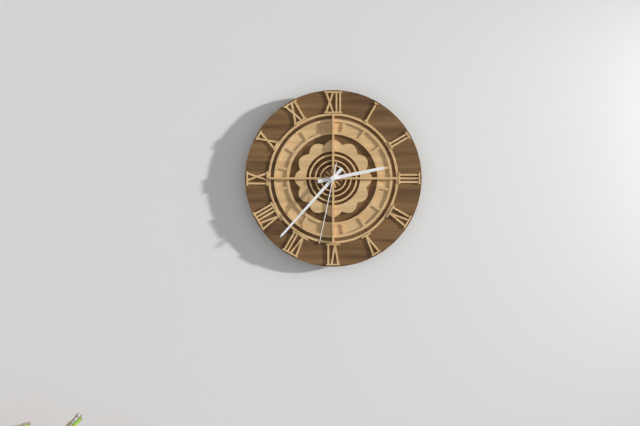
2:37:32
